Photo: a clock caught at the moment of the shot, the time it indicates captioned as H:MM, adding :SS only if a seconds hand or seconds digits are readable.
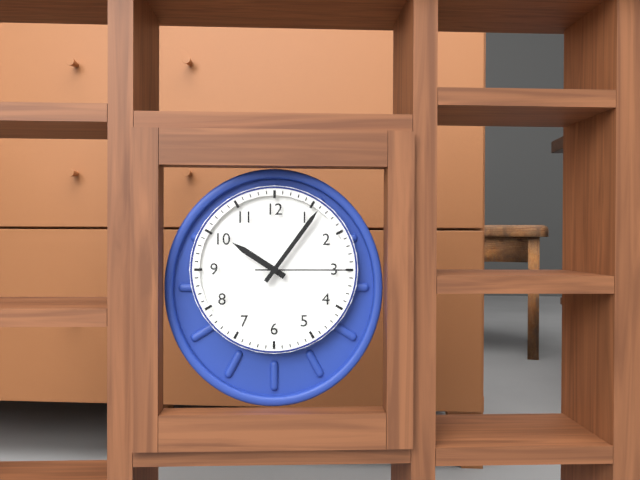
10:06:15
